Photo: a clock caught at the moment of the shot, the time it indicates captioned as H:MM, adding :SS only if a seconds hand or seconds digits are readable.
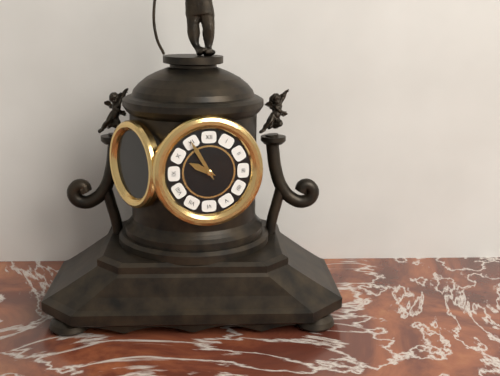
9:55
